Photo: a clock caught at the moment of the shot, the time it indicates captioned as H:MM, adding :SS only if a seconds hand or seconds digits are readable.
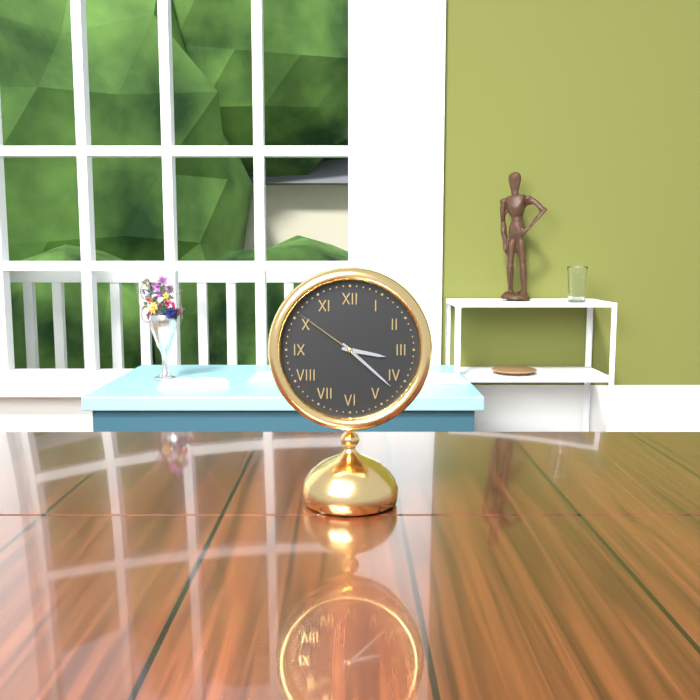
3:22:51
